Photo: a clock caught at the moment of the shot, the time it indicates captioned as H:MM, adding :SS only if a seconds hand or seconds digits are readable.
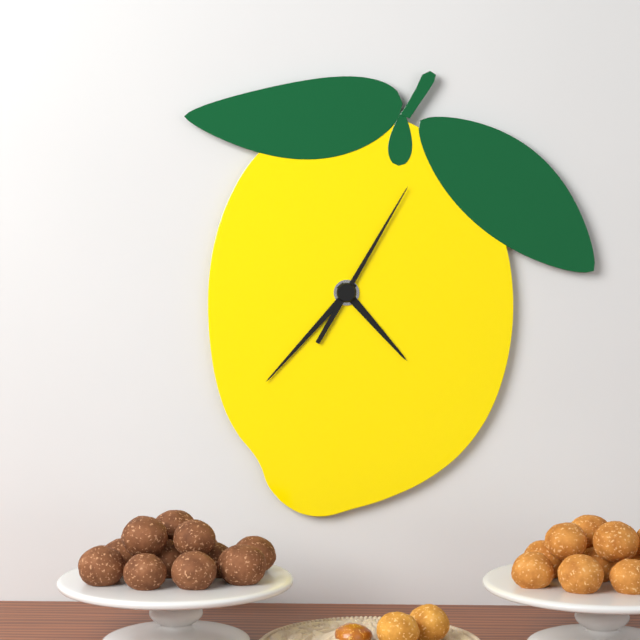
4:37:05
